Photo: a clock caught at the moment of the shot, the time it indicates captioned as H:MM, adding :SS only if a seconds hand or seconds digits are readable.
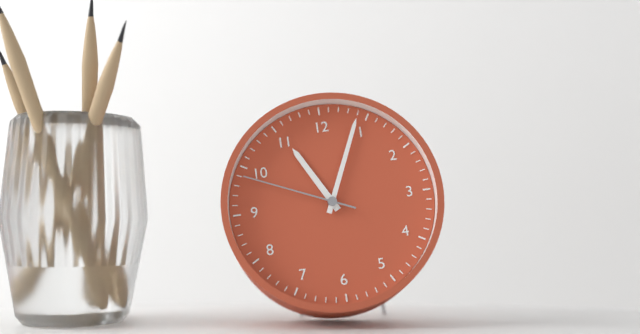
11:04:49
